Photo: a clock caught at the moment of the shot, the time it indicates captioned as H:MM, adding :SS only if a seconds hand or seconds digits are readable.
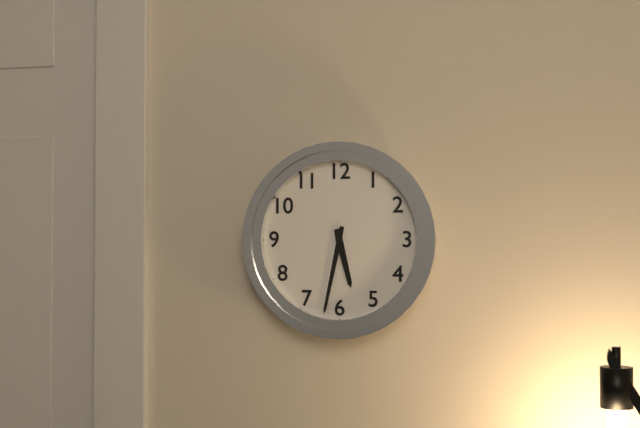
5:32
